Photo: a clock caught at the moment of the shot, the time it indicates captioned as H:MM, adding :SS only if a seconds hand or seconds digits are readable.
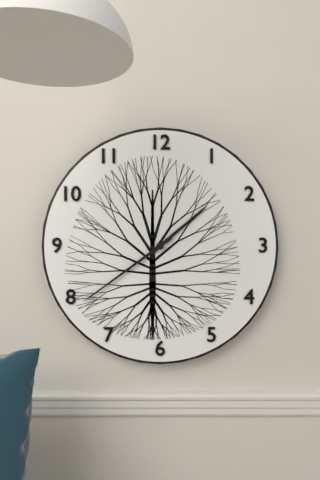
1:39
